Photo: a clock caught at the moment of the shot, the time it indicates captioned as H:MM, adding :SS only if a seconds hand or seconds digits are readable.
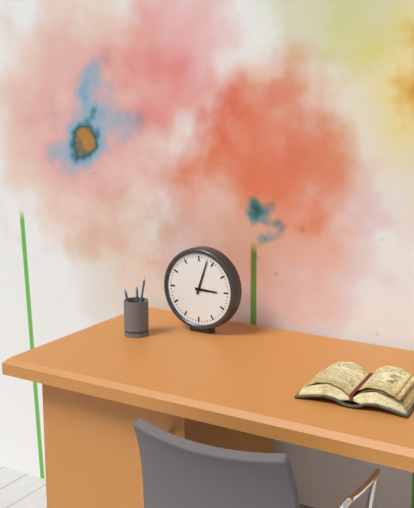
3:03
